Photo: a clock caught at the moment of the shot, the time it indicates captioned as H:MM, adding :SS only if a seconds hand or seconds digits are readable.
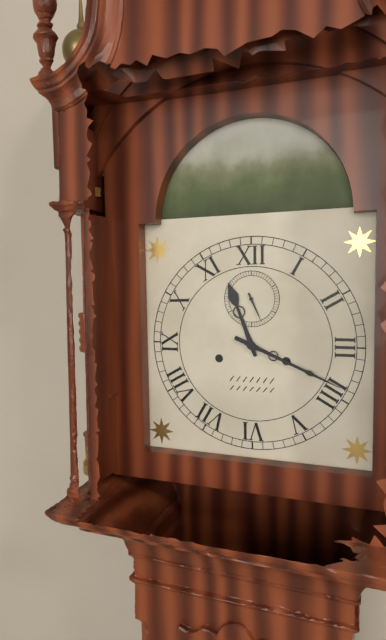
11:19
